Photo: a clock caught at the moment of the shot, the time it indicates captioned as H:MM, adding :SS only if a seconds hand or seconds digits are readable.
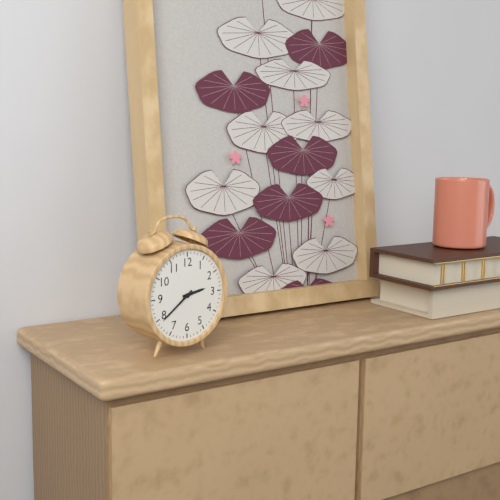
2:39
